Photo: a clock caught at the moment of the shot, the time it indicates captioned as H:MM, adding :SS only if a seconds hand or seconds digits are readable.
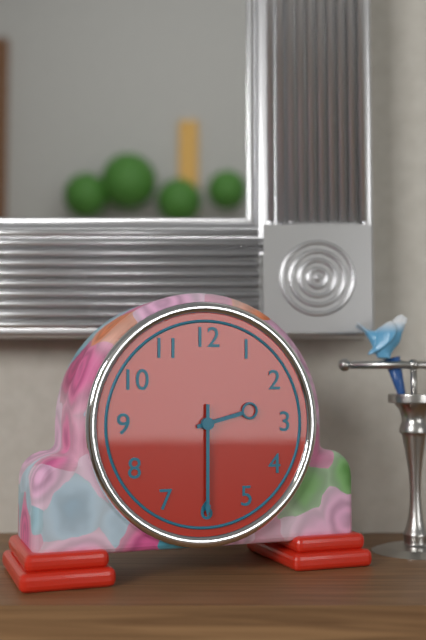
2:30
